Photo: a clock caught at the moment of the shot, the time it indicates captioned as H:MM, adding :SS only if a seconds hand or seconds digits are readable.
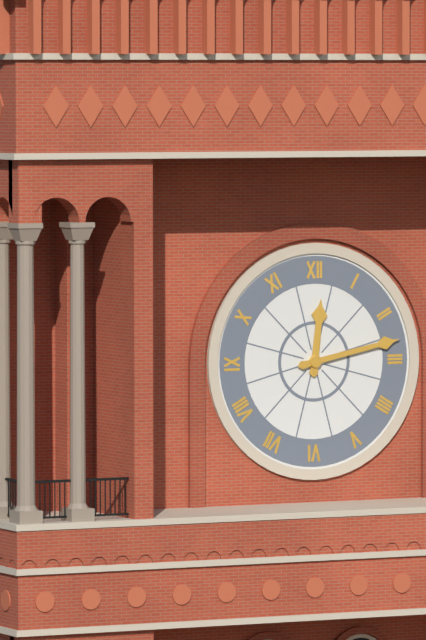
12:13
